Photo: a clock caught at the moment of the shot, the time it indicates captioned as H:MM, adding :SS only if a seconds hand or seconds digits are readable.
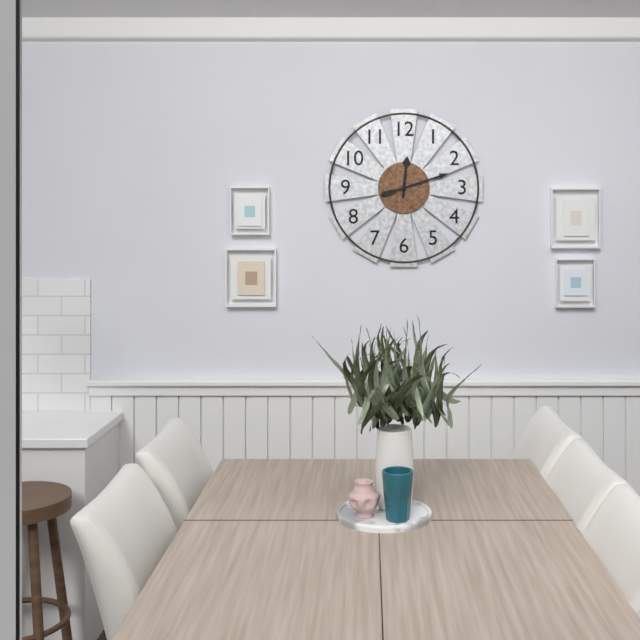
12:12
